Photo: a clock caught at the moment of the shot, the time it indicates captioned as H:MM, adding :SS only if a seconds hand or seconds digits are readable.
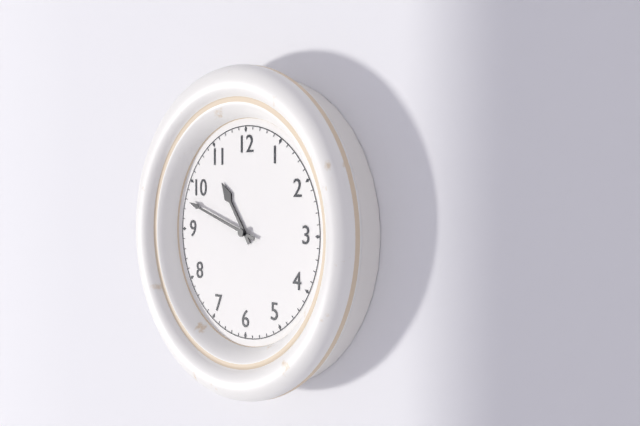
10:48
